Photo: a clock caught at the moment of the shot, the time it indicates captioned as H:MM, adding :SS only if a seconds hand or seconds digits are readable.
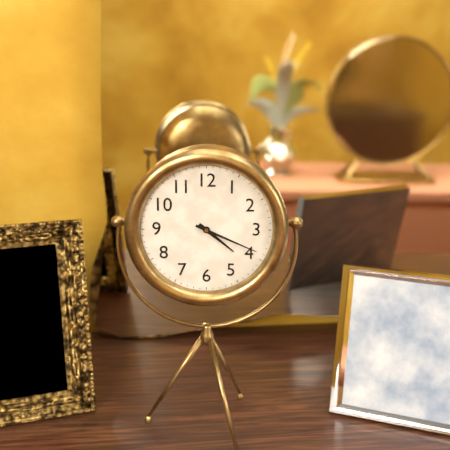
4:19
